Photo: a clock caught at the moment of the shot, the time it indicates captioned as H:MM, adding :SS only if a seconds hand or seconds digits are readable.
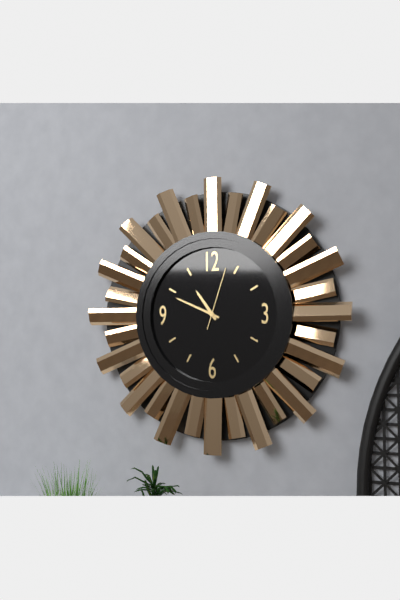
10:49:03
